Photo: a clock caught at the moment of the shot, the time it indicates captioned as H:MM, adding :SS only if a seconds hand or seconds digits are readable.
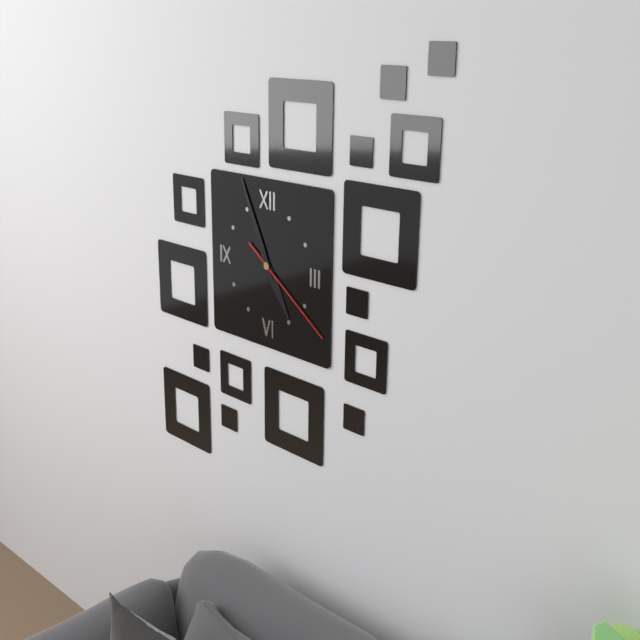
4:56:21
